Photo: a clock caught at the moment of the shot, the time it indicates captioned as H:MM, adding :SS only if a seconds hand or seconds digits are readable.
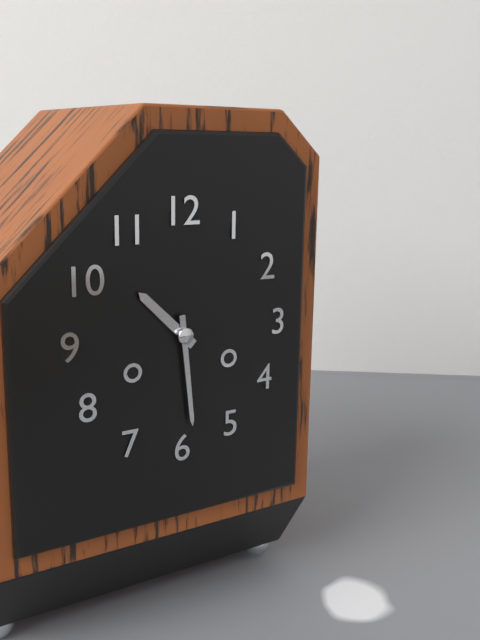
10:29
